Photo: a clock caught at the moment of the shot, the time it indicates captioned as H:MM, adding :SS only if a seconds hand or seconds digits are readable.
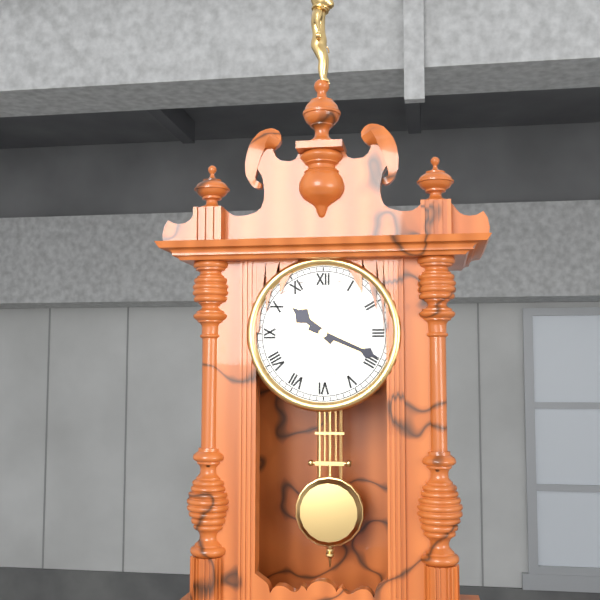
10:19
